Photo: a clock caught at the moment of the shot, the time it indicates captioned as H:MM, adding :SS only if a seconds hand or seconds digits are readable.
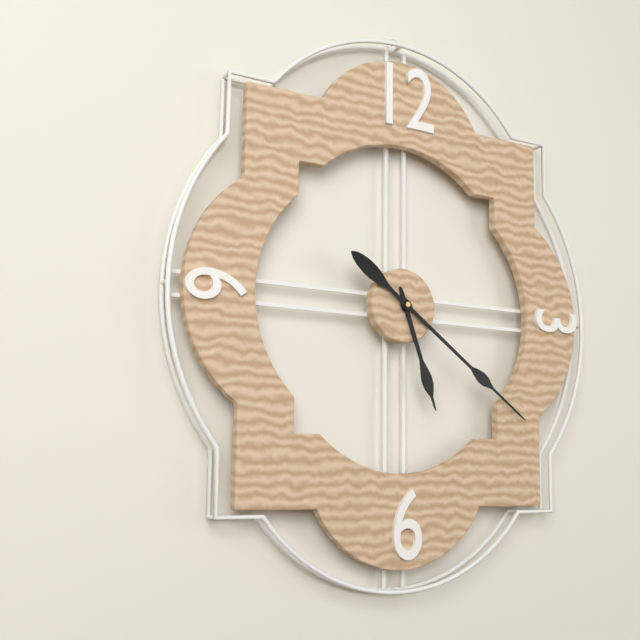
5:21
